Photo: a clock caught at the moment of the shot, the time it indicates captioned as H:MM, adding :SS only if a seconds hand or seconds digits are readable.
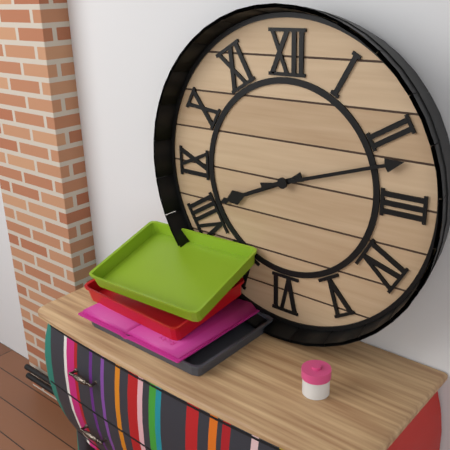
8:12
